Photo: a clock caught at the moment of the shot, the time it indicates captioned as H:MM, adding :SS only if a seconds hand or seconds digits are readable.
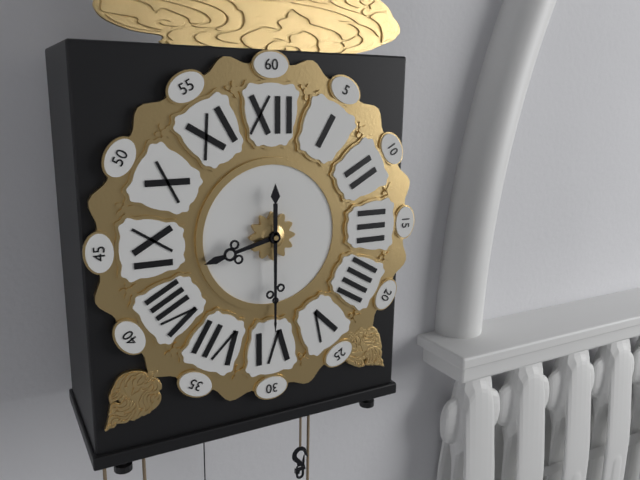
8:30
